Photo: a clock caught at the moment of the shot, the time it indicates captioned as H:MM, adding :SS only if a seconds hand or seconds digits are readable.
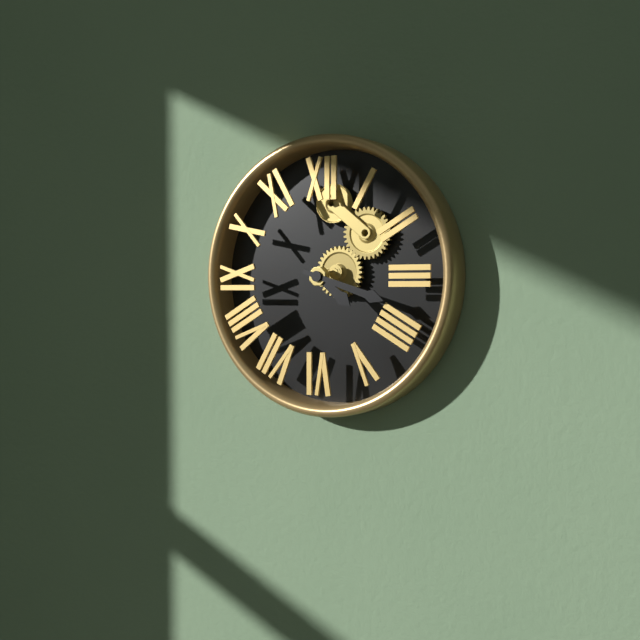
4:18
